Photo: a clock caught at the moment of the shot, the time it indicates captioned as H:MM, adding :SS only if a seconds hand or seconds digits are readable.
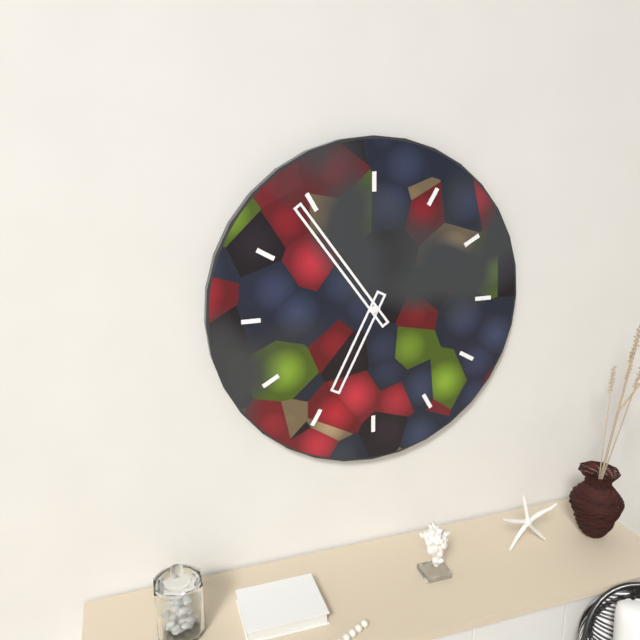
6:54
